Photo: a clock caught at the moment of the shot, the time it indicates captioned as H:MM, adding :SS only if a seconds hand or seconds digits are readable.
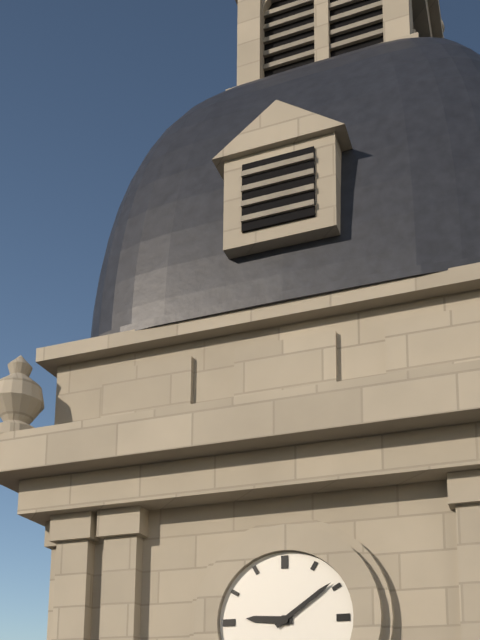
9:09
